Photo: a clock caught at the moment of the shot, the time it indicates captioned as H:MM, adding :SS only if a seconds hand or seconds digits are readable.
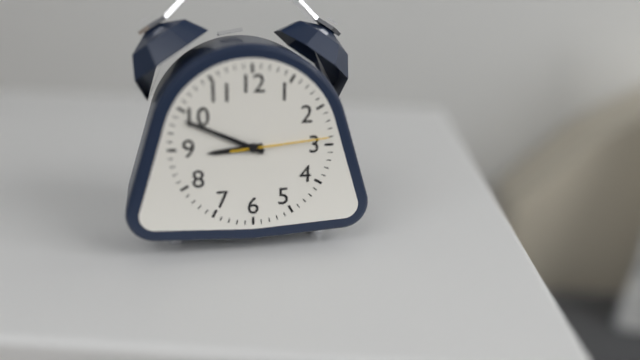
8:49:14
